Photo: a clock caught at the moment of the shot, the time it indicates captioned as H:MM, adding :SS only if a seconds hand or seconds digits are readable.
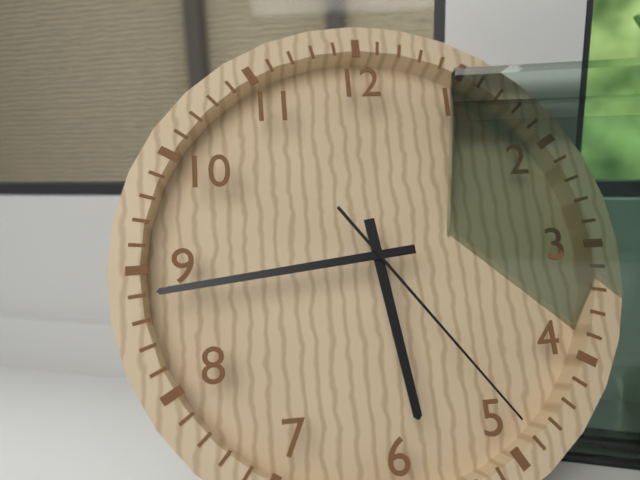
5:44:24
